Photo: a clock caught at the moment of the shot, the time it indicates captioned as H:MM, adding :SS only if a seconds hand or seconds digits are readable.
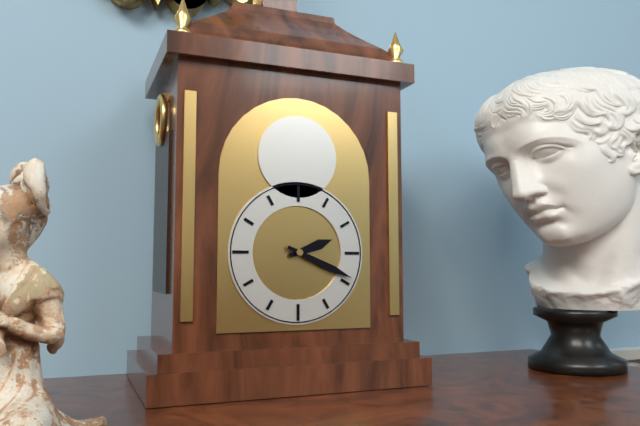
2:19
